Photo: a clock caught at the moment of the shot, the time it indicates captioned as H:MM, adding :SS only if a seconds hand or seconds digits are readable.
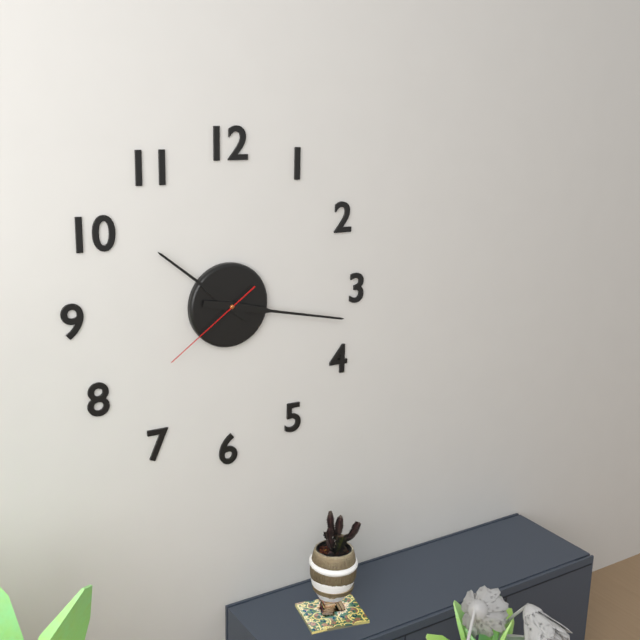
10:17:39
